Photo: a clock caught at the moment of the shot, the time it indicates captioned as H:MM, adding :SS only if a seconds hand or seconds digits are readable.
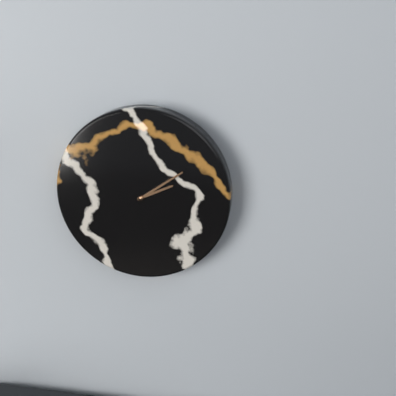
2:09
